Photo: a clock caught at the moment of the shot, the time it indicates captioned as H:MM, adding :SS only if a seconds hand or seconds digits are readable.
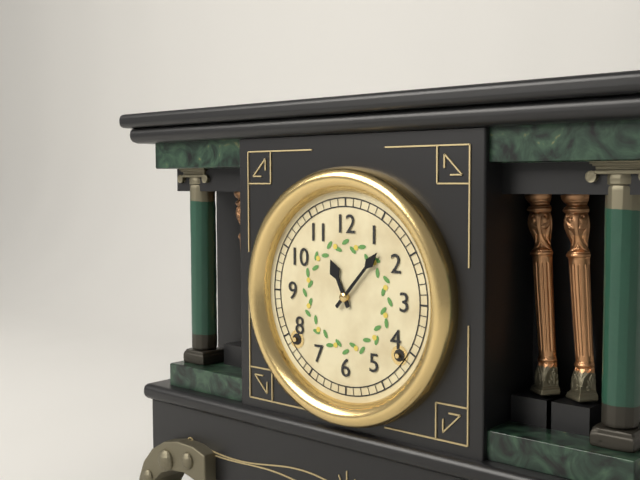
11:07
